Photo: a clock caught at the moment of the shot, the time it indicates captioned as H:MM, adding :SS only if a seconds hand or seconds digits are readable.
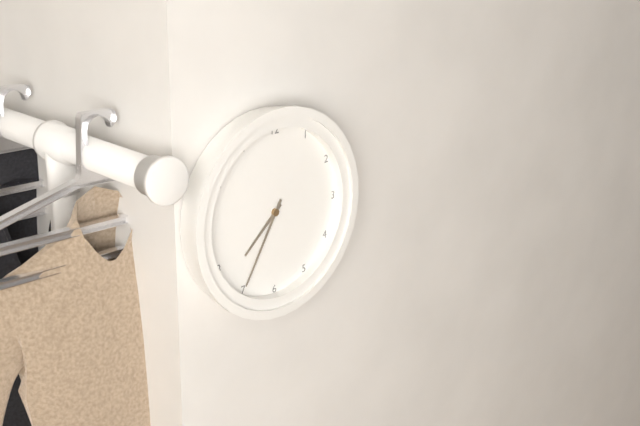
7:35
